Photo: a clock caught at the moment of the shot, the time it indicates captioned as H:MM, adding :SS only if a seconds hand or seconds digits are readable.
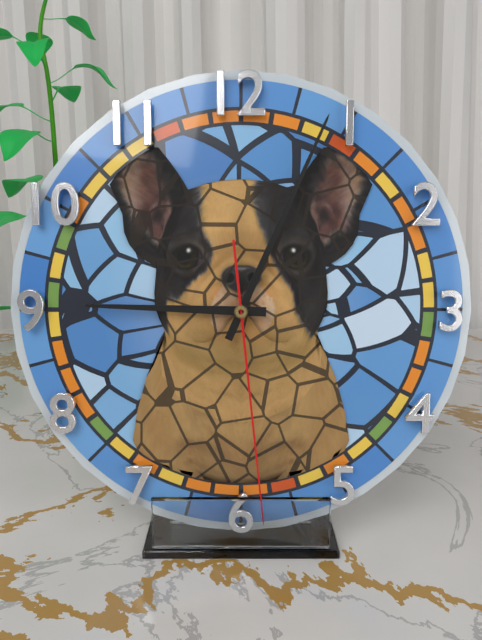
9:04:29
